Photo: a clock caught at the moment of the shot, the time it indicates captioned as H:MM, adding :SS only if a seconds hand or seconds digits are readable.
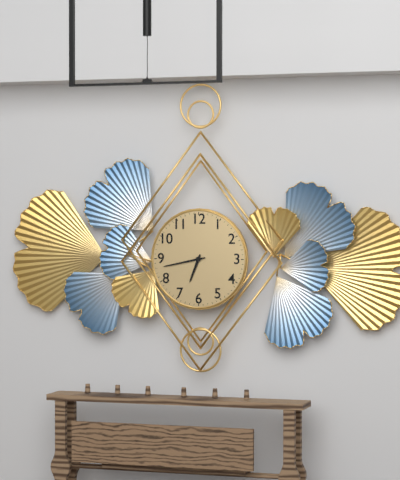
6:43
